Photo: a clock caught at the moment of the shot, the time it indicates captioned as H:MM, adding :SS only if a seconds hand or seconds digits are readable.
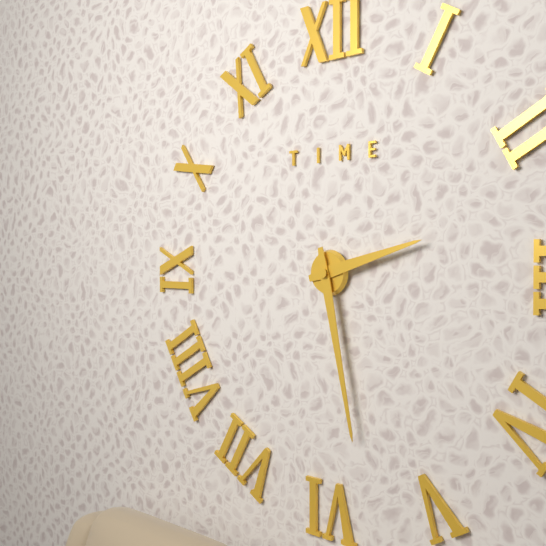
2:28
